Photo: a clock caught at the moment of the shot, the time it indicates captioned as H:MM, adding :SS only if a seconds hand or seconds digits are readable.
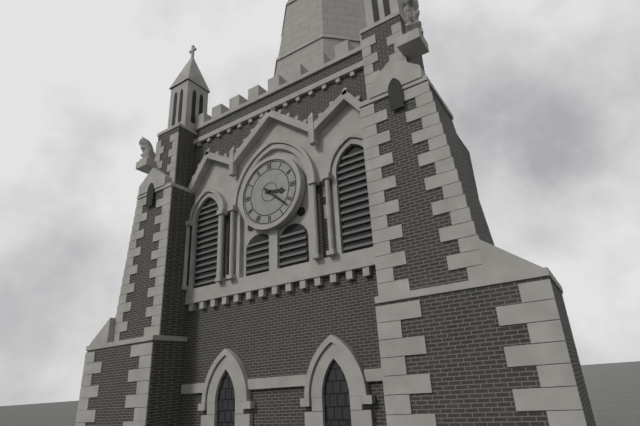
3:22
